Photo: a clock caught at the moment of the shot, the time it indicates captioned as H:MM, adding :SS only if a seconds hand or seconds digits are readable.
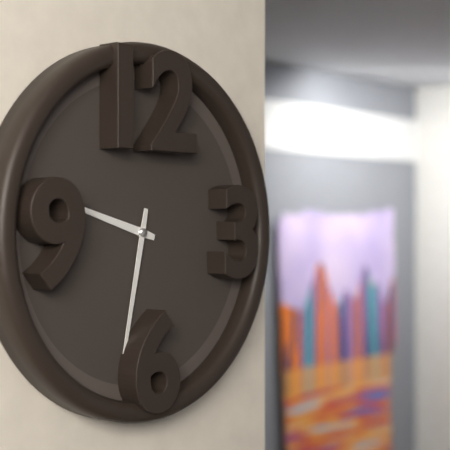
9:32
